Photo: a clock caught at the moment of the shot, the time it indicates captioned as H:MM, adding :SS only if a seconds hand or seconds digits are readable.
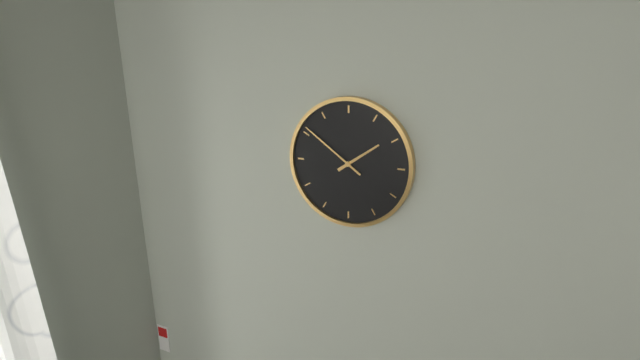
1:51
